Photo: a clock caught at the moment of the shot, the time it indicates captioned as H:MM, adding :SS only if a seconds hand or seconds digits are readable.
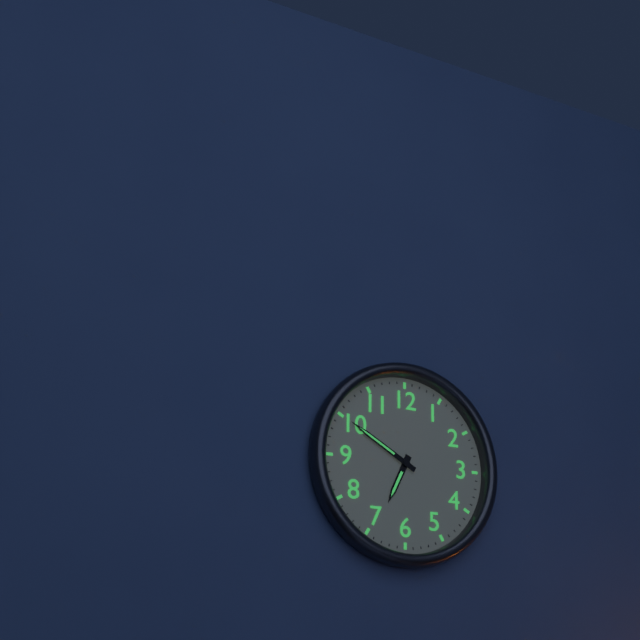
6:50
